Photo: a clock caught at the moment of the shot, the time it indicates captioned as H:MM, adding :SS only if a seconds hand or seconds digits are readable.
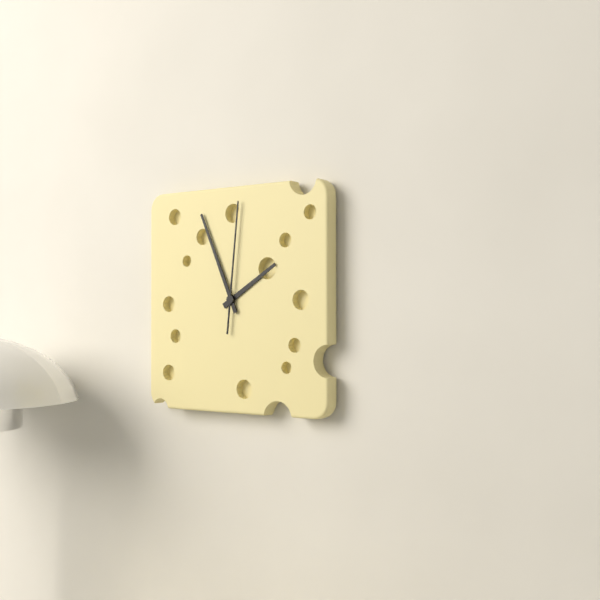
1:56:01
